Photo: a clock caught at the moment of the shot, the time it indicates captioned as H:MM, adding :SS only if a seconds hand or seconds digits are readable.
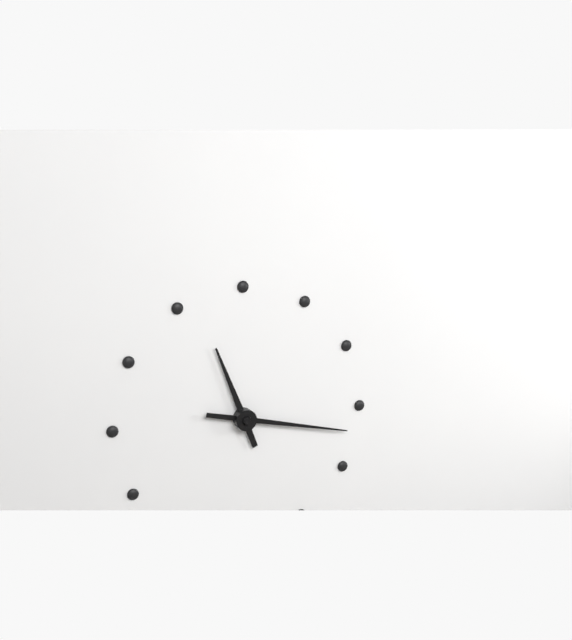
11:17
